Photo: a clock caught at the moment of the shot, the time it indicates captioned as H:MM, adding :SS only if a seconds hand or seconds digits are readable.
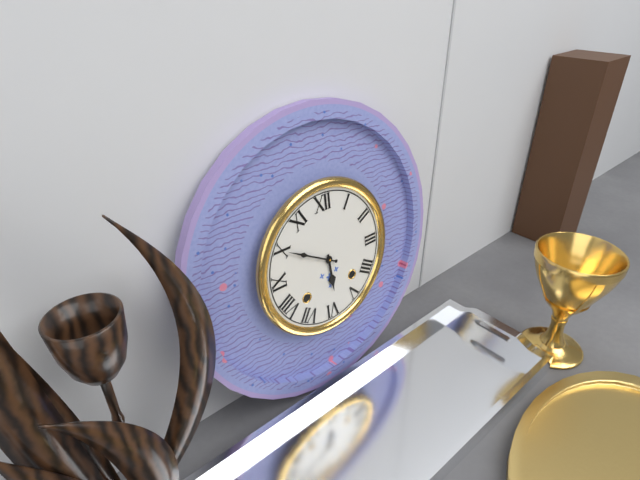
5:50
